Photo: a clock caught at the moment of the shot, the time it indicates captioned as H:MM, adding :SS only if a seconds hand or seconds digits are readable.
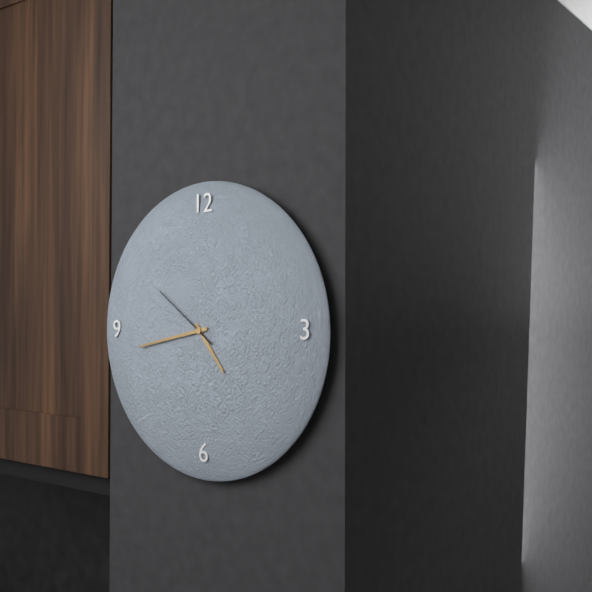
4:43:51
